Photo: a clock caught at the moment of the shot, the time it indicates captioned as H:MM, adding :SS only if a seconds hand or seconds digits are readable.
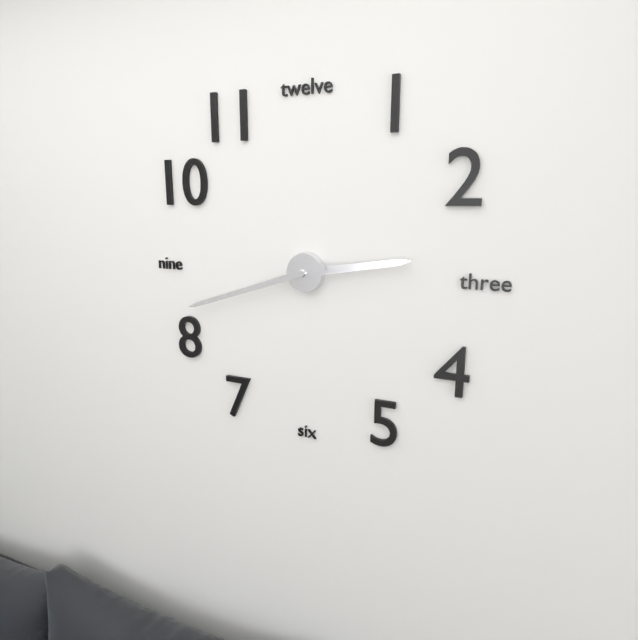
2:42
